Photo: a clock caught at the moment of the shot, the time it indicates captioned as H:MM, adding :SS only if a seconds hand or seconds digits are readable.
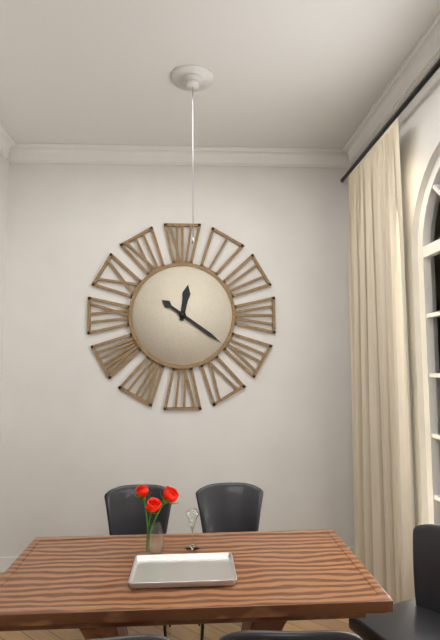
12:21
